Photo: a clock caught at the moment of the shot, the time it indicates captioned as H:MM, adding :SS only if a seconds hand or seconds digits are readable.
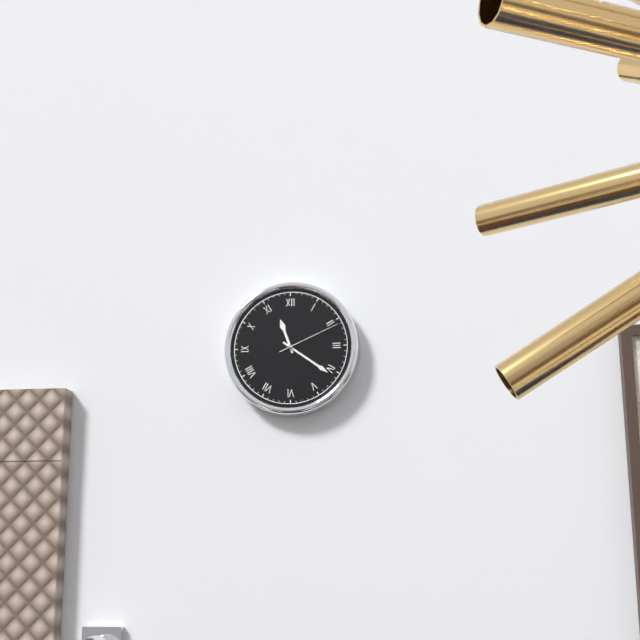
11:21:11
